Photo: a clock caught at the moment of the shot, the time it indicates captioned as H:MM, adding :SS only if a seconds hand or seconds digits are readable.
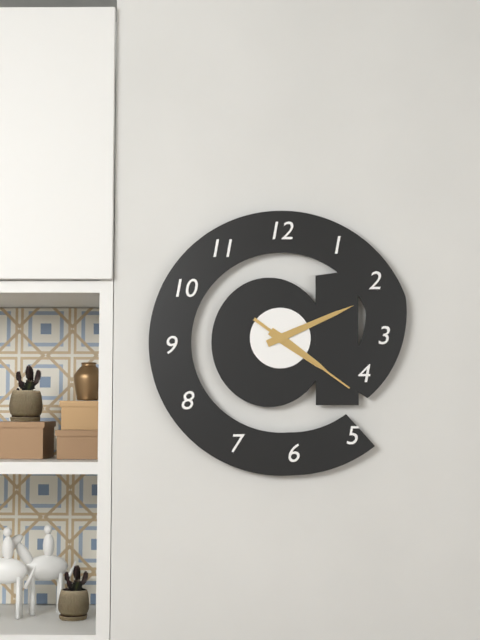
4:11:21
